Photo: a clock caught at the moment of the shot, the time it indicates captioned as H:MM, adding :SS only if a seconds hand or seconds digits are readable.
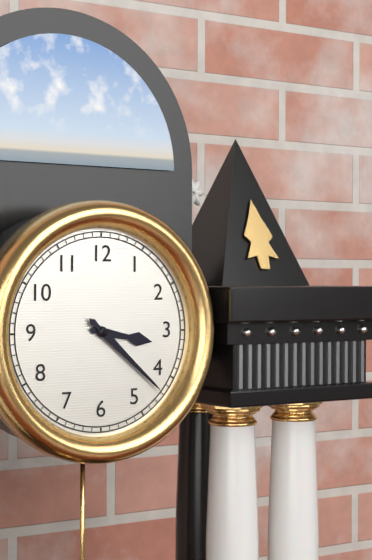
3:22
